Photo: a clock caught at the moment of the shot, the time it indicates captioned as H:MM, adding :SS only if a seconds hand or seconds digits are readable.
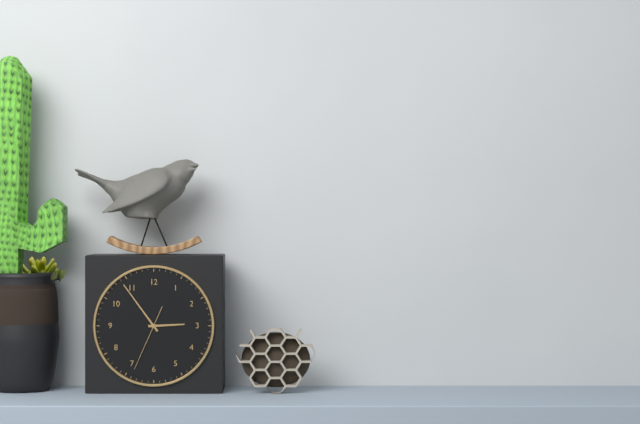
2:54:34
